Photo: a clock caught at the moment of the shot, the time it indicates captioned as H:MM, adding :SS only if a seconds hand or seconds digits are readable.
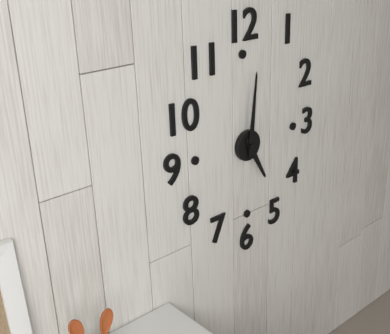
5:01
